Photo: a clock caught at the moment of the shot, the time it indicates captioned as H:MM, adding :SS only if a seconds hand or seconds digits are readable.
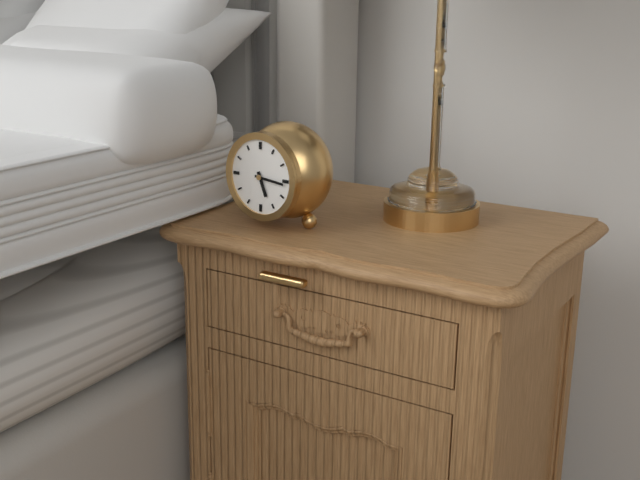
5:16
